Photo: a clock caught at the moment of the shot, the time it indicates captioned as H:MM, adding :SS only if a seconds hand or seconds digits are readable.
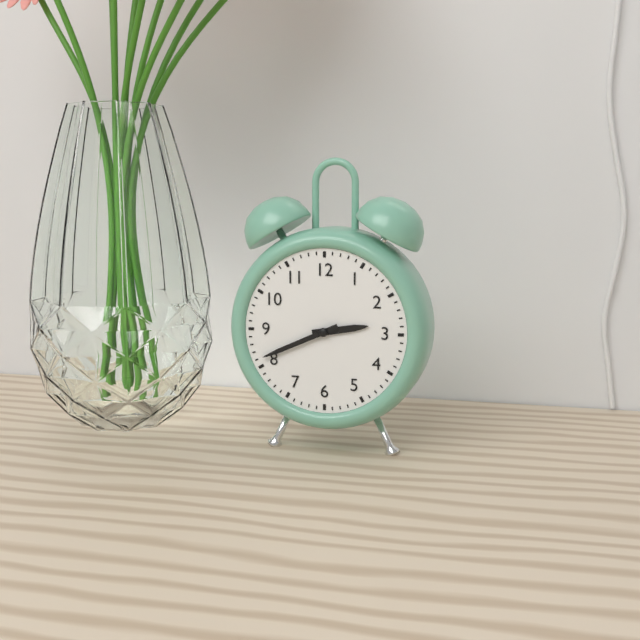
2:41
